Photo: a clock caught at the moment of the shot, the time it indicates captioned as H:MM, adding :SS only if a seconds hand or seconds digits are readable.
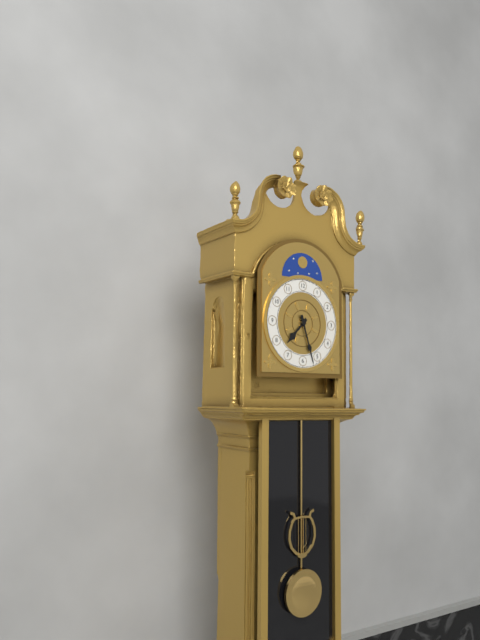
7:27
